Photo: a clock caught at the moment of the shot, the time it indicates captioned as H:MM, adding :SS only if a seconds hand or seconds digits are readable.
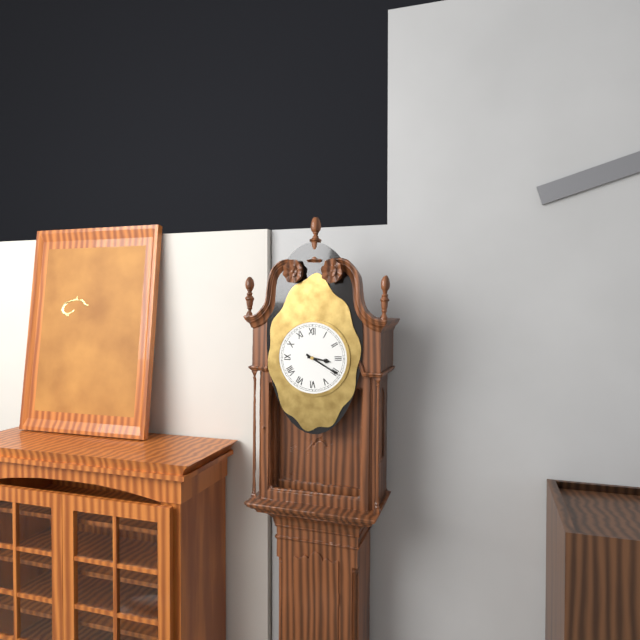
3:20
